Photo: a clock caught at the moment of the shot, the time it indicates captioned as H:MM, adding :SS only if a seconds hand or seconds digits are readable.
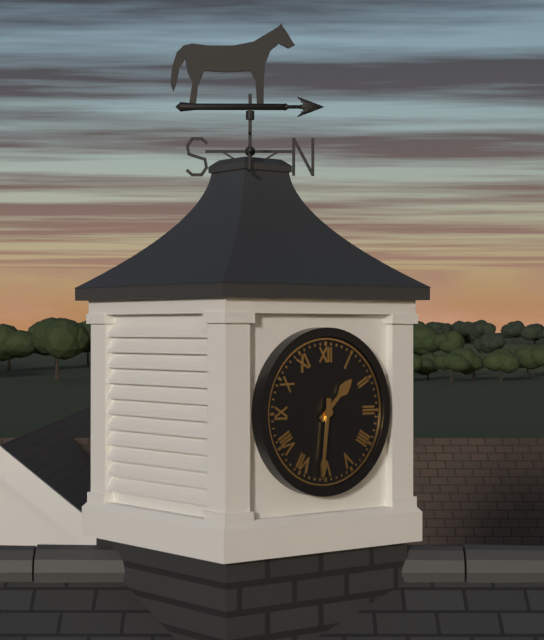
1:31
